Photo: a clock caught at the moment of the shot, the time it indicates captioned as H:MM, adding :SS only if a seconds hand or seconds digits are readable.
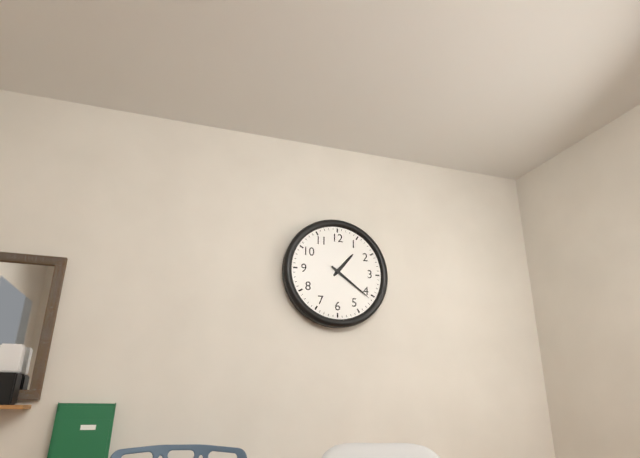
1:21
